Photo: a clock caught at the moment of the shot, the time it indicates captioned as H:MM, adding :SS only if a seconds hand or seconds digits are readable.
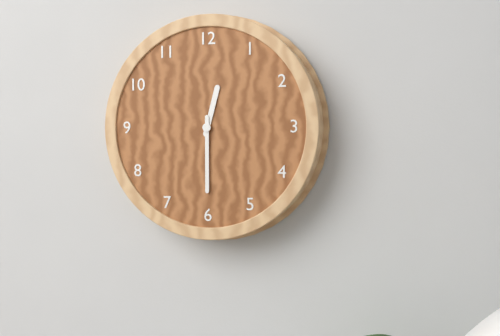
12:30
